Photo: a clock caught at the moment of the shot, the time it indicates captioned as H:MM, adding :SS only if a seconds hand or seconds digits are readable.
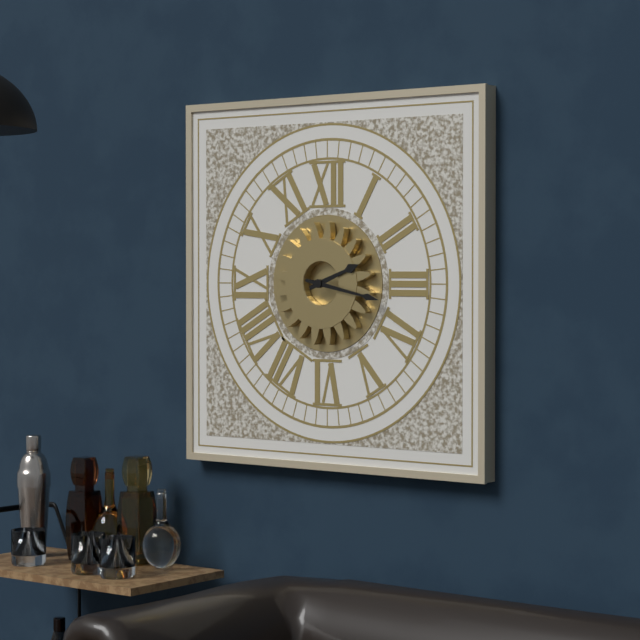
2:17
